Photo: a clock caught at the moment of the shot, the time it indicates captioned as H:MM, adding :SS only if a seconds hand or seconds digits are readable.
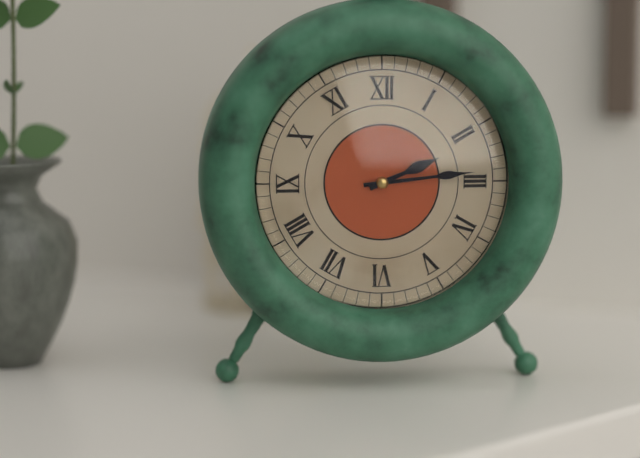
2:14
